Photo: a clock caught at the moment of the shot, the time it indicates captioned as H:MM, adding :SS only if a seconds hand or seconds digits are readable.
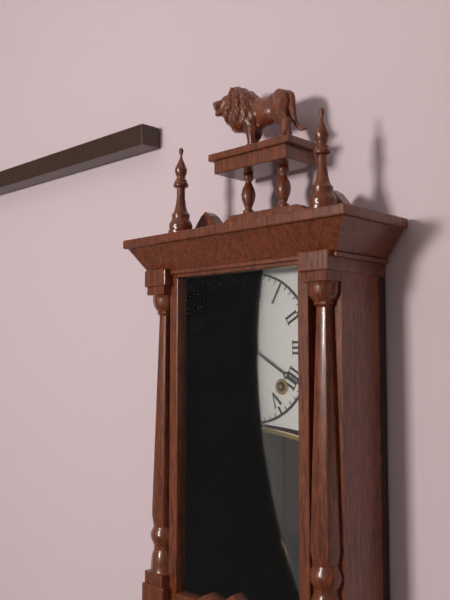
6:20
